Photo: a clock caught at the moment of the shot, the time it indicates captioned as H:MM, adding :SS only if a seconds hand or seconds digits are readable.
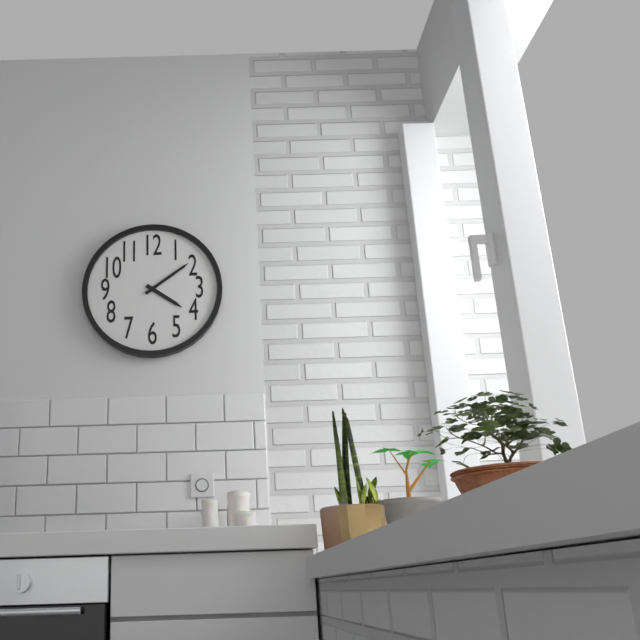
4:09
